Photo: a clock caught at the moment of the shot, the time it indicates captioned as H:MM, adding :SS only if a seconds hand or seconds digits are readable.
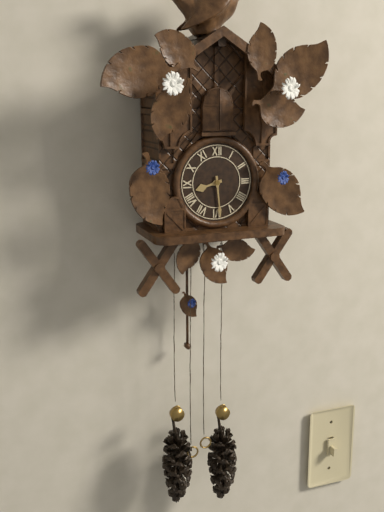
8:29
